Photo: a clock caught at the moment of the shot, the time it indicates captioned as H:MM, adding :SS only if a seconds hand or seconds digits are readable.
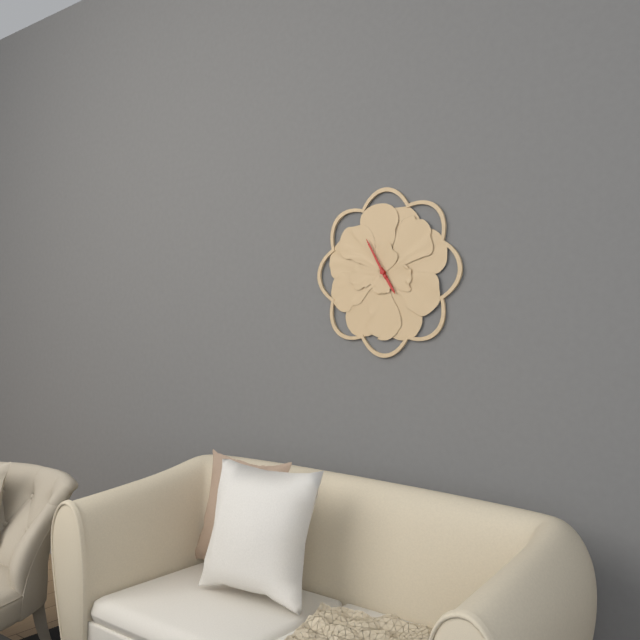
4:55
